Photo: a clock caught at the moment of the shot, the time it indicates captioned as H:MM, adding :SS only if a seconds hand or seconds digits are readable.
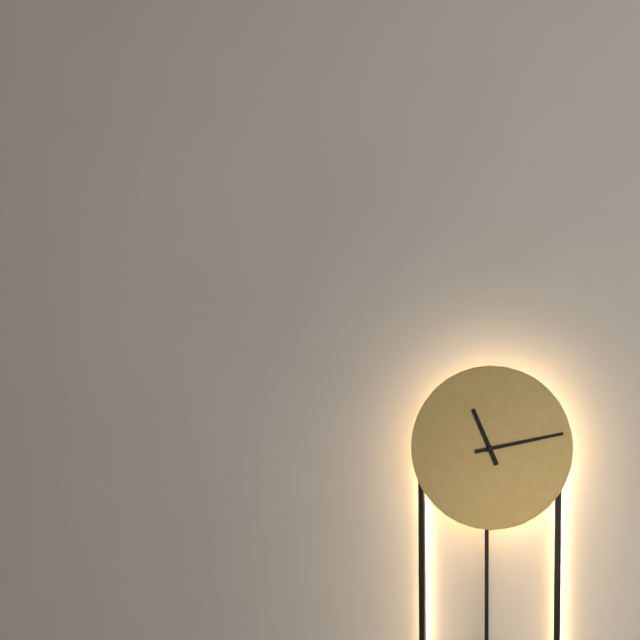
11:13
